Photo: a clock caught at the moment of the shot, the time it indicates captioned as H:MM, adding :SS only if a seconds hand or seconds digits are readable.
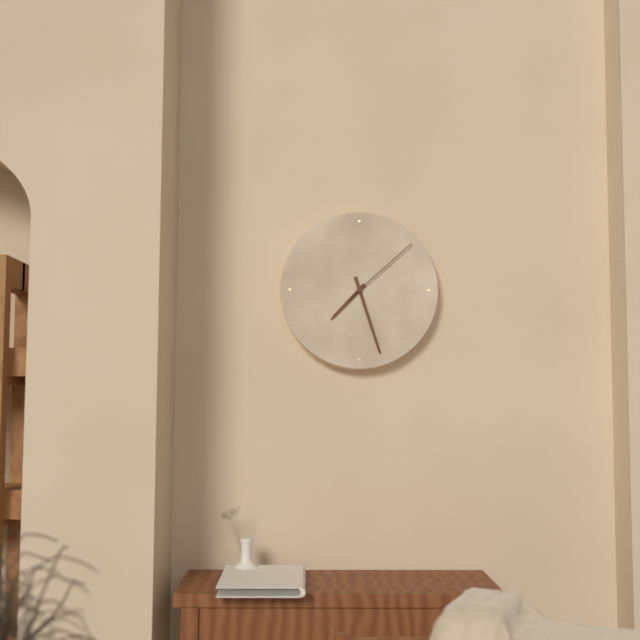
7:27:08
